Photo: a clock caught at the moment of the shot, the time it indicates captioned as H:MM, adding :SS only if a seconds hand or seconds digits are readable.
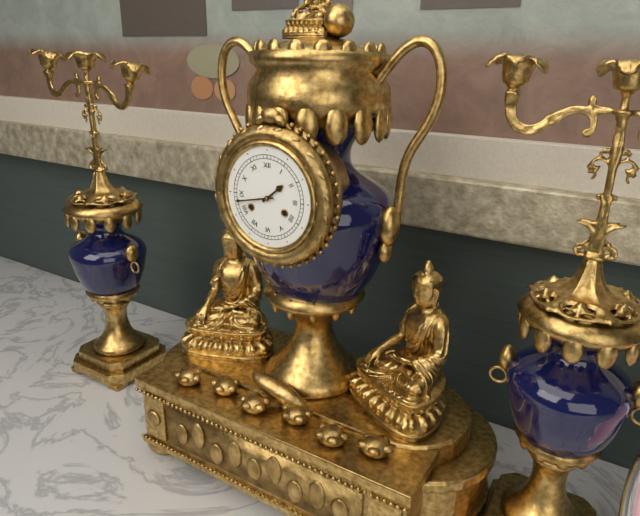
1:43
